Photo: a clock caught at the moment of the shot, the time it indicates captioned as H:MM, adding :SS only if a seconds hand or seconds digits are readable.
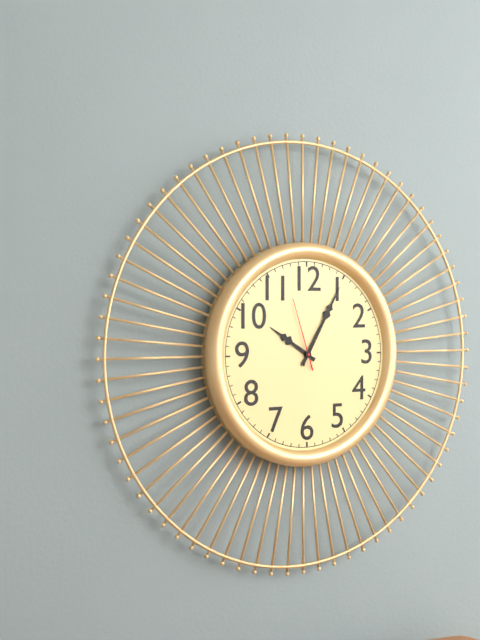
10:05:57
